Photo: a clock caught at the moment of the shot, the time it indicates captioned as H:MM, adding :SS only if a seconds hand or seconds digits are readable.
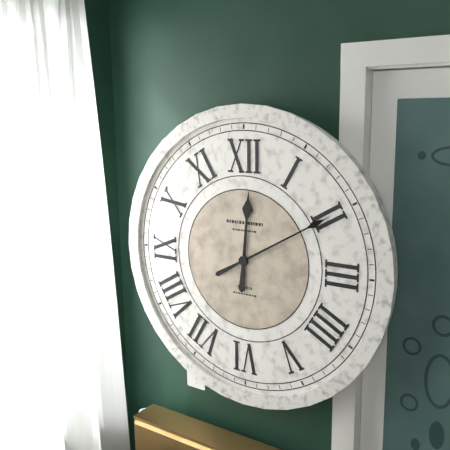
12:10
